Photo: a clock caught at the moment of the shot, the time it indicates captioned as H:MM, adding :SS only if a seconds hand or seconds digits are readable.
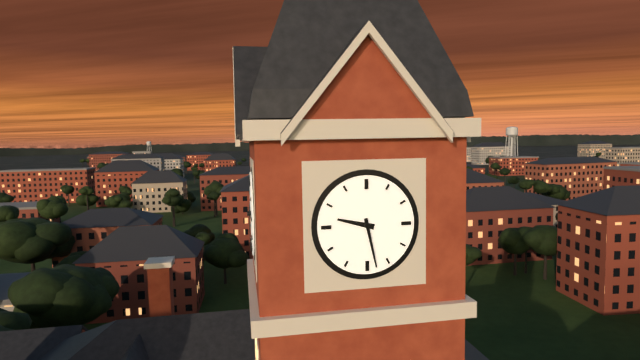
9:28
